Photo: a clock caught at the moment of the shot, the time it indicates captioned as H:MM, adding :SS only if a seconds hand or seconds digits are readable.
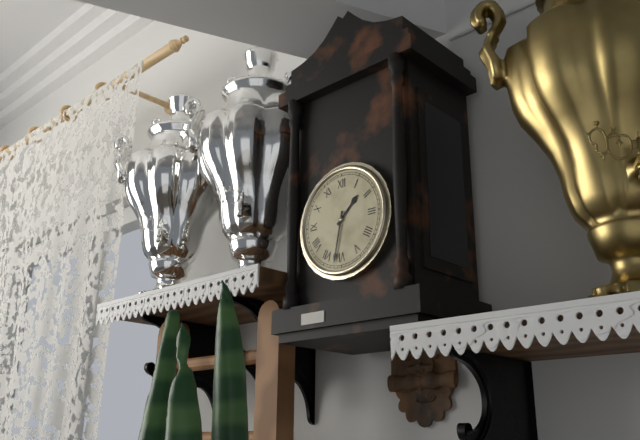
1:32
